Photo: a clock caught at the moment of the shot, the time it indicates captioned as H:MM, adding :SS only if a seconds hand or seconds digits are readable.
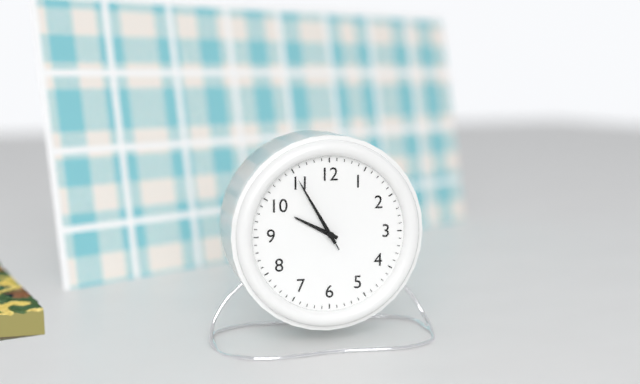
9:55:55
